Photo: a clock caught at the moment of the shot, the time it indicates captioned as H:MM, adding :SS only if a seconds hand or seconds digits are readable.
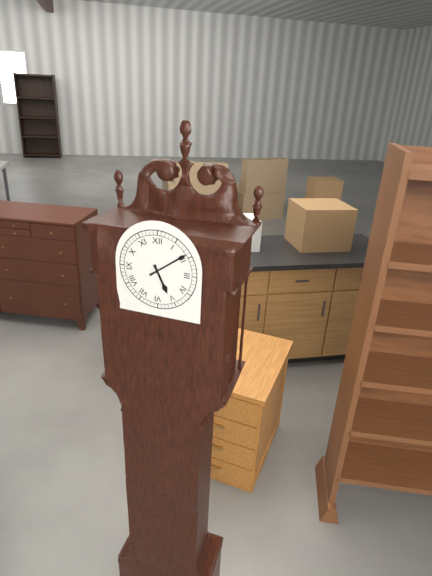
5:09
